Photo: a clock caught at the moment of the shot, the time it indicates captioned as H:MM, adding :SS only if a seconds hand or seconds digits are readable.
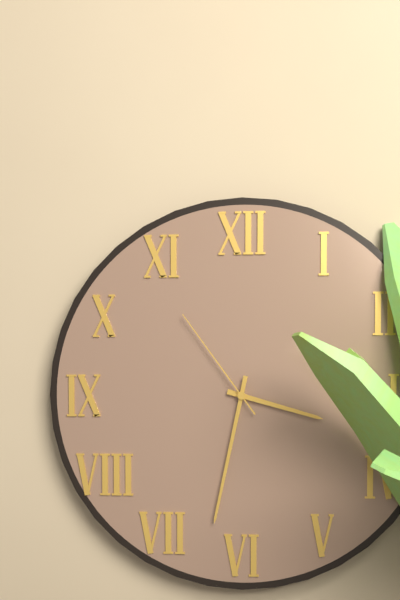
3:32:54
